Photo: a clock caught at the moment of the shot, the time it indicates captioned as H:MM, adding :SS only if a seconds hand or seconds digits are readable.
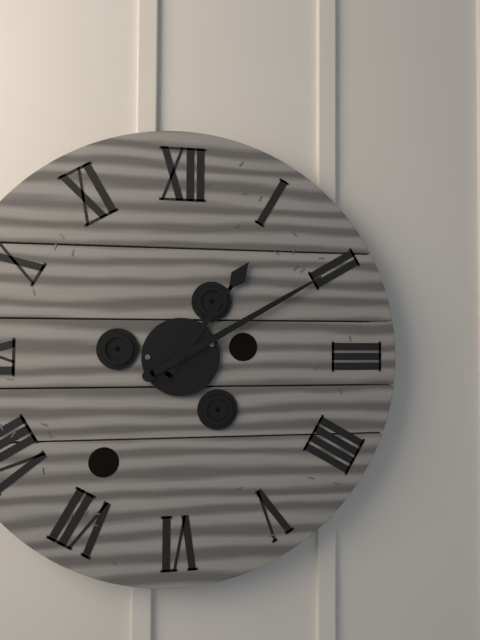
1:10
